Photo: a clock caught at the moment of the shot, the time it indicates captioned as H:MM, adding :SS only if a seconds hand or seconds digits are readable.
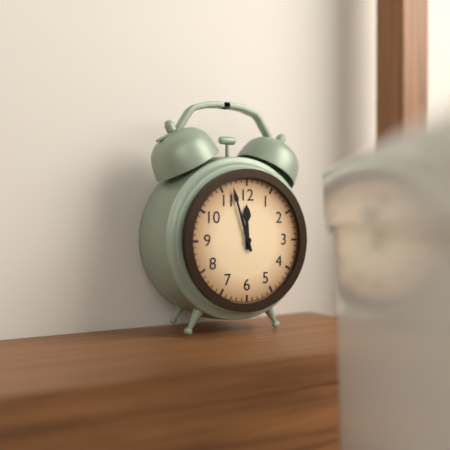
11:57
